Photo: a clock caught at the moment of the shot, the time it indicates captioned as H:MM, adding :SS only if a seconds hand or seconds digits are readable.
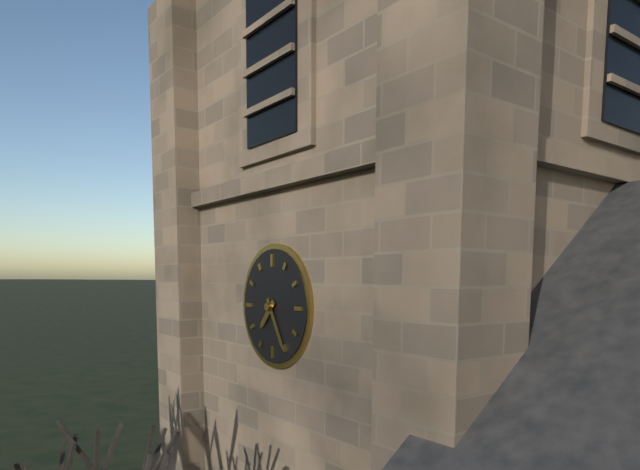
7:25
